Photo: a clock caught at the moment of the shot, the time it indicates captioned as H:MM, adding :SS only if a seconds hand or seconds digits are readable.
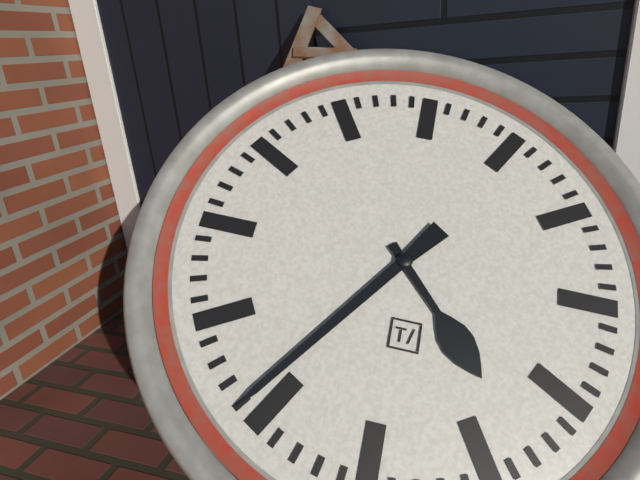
4:36
